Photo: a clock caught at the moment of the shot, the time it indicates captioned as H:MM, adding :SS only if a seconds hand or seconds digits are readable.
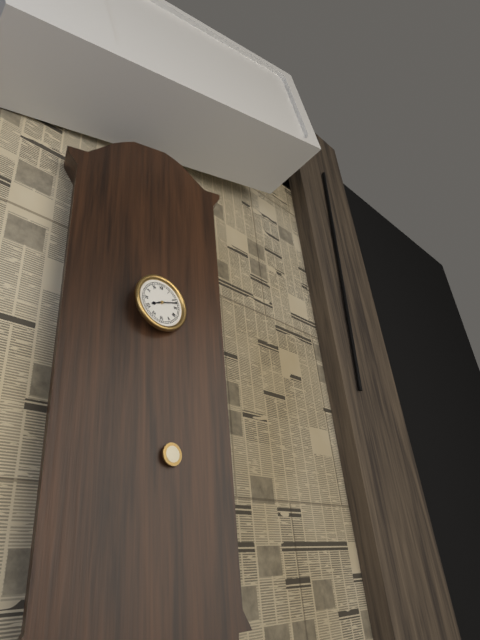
8:12
